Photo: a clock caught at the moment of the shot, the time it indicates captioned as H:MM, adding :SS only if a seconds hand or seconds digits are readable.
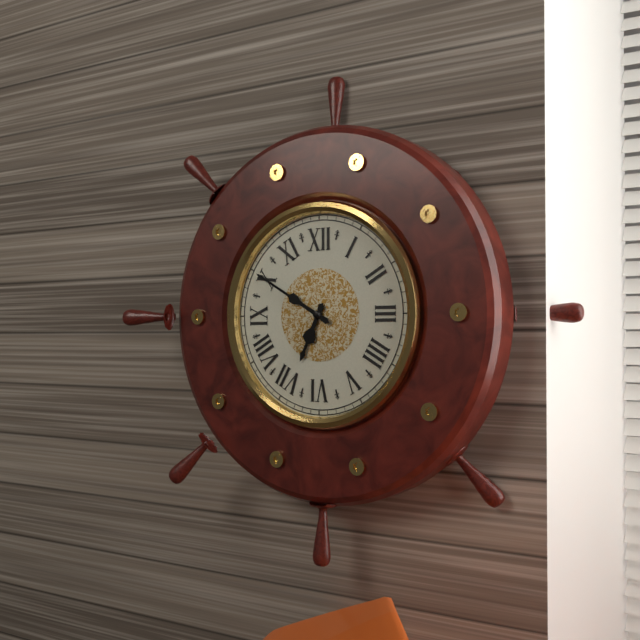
6:50
